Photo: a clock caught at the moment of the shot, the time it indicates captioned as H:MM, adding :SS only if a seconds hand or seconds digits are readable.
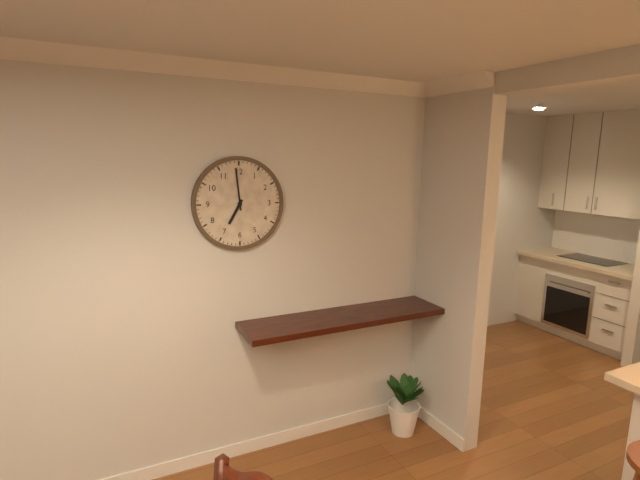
6:59
